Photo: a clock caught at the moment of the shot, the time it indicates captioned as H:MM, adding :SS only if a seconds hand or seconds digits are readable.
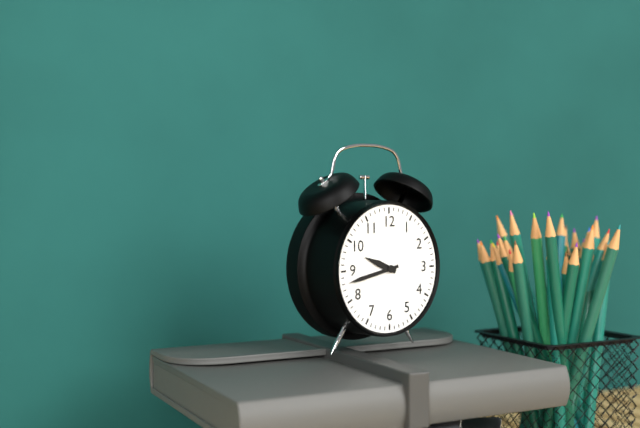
9:43
